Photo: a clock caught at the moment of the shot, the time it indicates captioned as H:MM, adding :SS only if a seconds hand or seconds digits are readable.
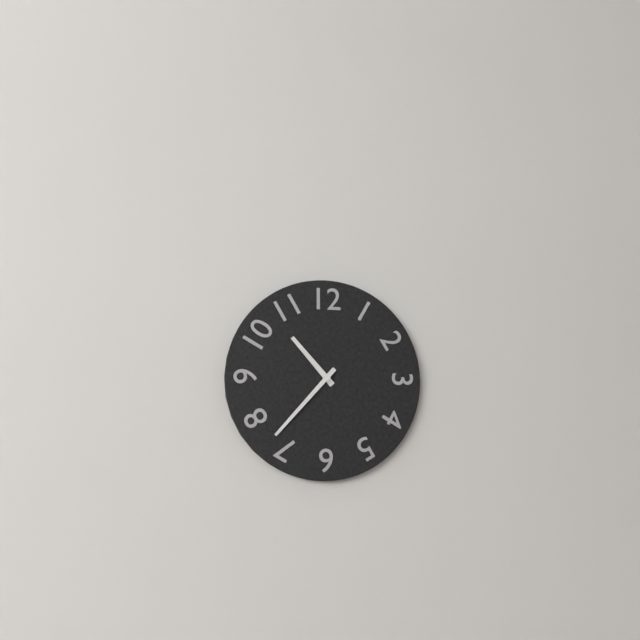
10:37
